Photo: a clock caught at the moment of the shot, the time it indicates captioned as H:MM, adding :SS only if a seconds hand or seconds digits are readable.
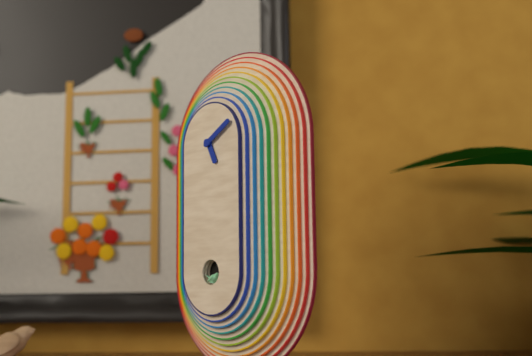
5:10
